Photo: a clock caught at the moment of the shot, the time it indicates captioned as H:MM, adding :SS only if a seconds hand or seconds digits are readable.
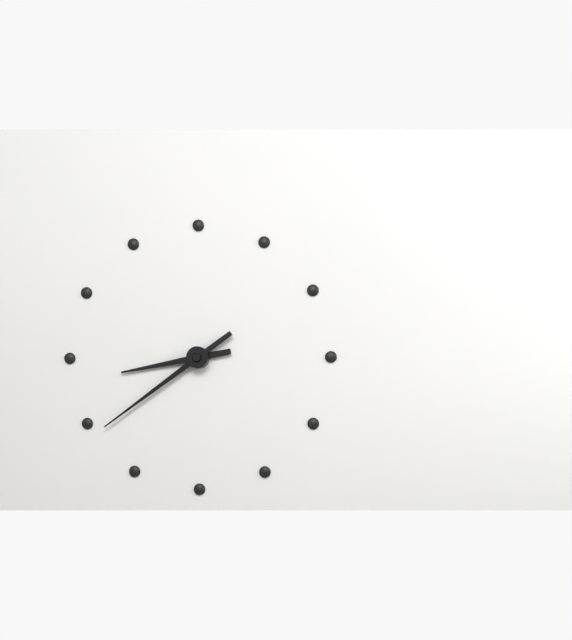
8:39
